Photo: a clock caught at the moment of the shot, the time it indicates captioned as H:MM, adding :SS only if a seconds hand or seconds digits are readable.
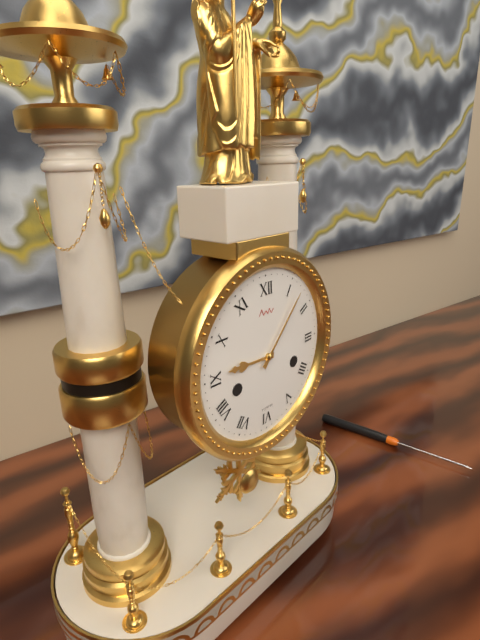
9:07
